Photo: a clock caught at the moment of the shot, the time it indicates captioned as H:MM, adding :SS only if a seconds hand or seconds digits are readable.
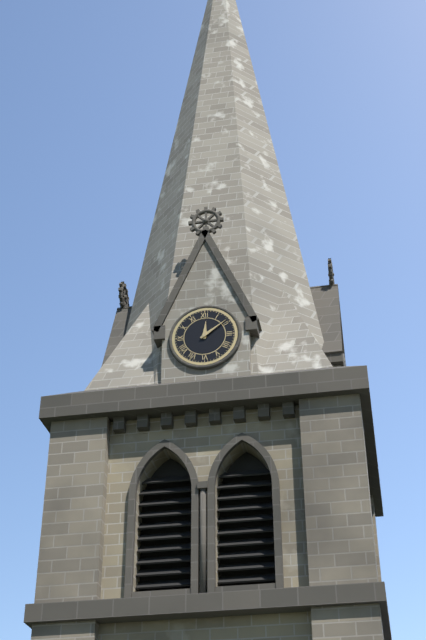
12:09
